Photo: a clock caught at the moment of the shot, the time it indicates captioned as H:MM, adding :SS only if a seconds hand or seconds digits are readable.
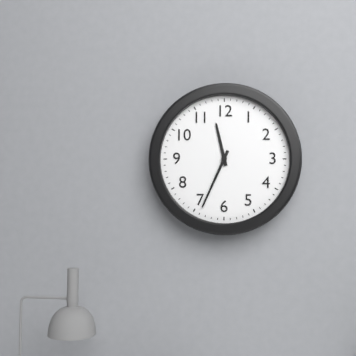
11:34
